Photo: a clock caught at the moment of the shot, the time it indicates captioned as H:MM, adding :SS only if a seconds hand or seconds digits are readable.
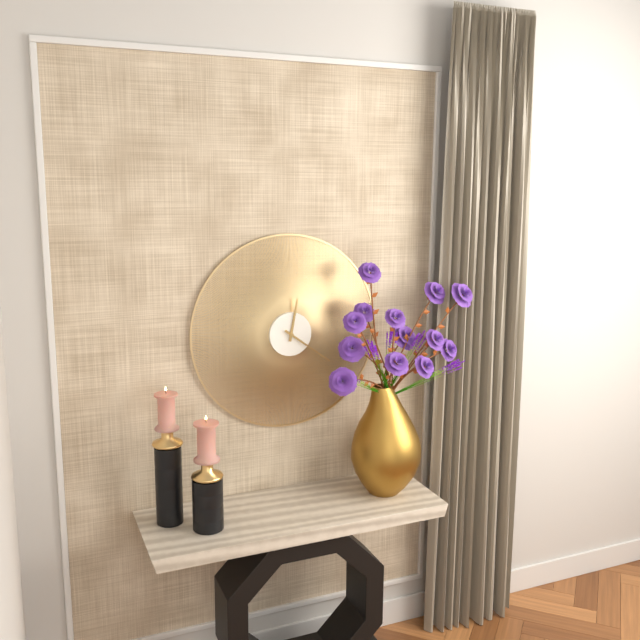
12:21
